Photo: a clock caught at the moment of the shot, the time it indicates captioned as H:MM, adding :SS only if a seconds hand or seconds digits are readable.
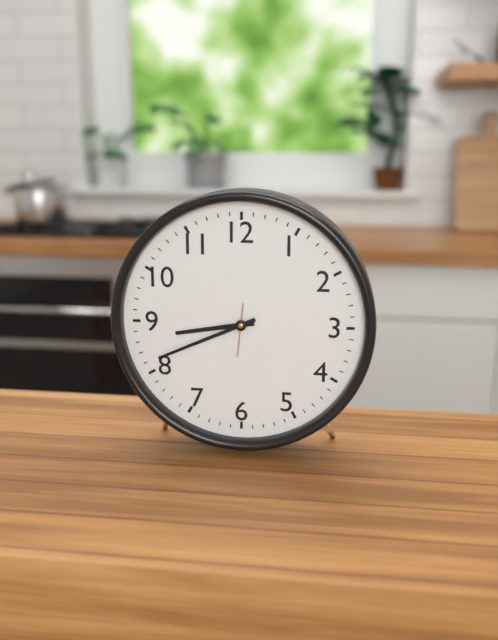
8:41
